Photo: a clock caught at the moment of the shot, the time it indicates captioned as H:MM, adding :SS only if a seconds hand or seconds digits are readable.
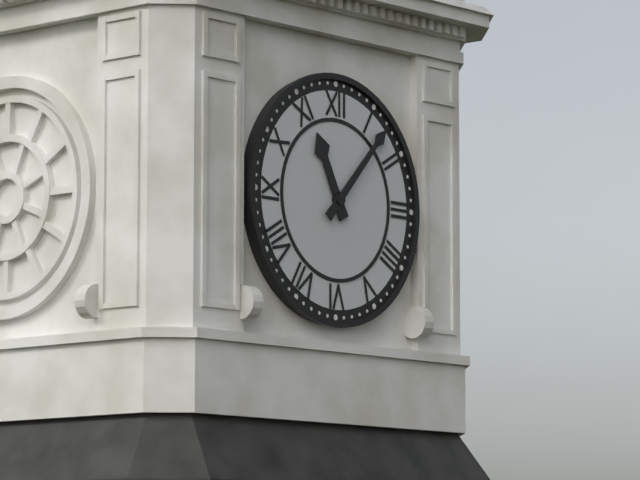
11:07
